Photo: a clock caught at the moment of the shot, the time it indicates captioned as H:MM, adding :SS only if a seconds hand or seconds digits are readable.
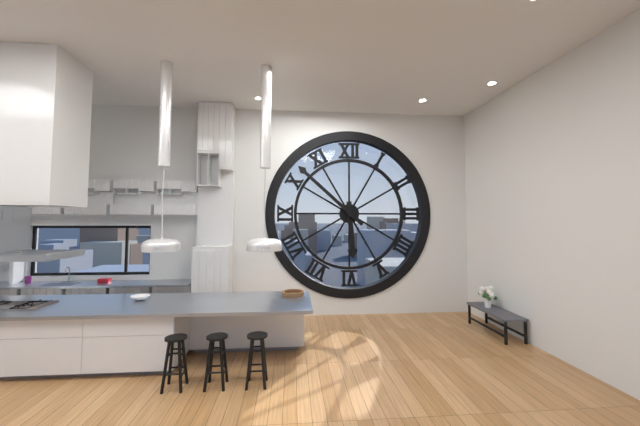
5:52
